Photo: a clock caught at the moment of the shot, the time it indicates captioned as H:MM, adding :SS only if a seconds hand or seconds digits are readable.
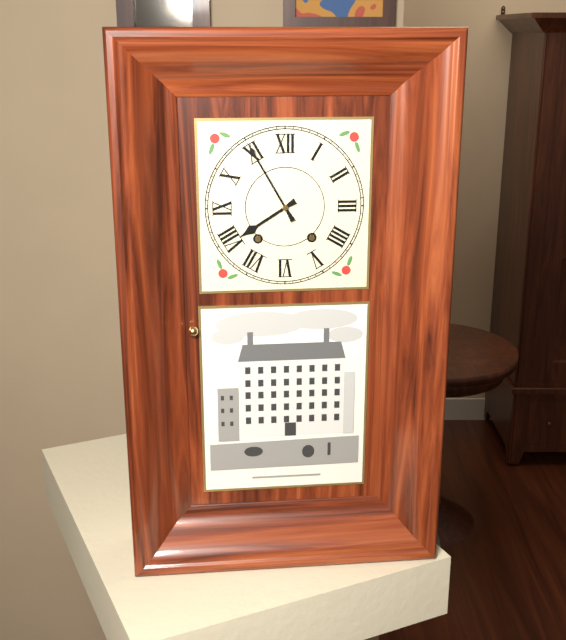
7:55
